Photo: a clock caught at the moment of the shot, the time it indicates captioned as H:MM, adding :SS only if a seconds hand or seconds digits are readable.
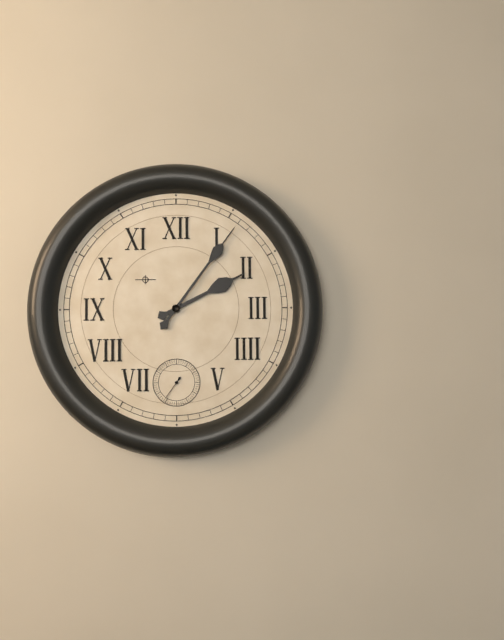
2:06
